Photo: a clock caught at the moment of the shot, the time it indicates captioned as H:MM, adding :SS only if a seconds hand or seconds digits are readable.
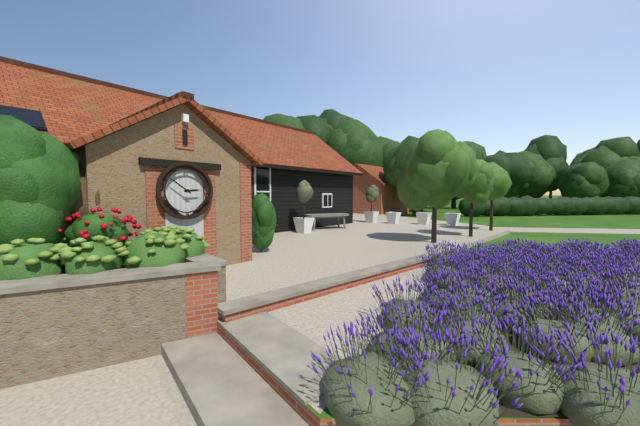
2:51
